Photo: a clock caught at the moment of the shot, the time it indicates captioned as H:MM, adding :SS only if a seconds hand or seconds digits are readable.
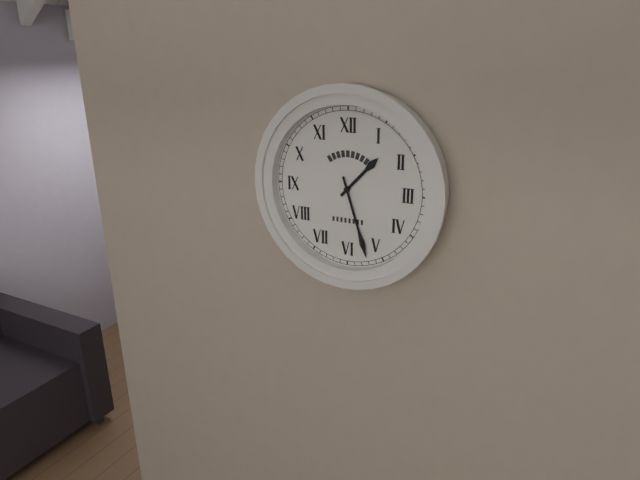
1:27
